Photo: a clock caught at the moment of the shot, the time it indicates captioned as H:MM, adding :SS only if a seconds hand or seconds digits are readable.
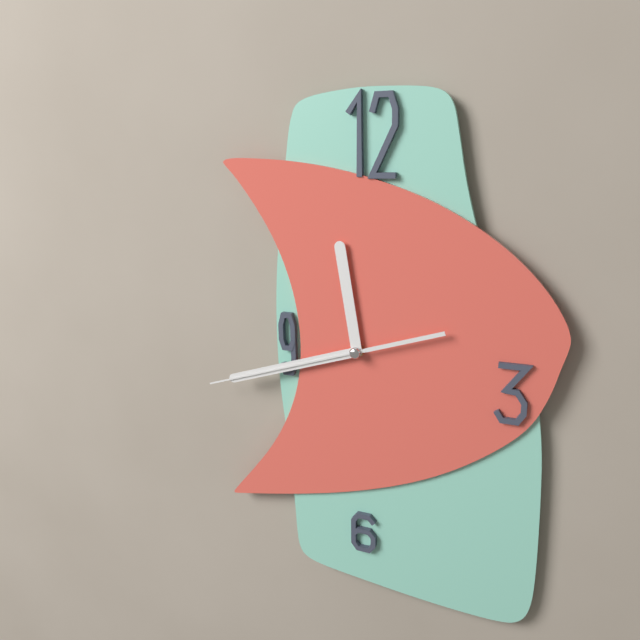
11:42:42
